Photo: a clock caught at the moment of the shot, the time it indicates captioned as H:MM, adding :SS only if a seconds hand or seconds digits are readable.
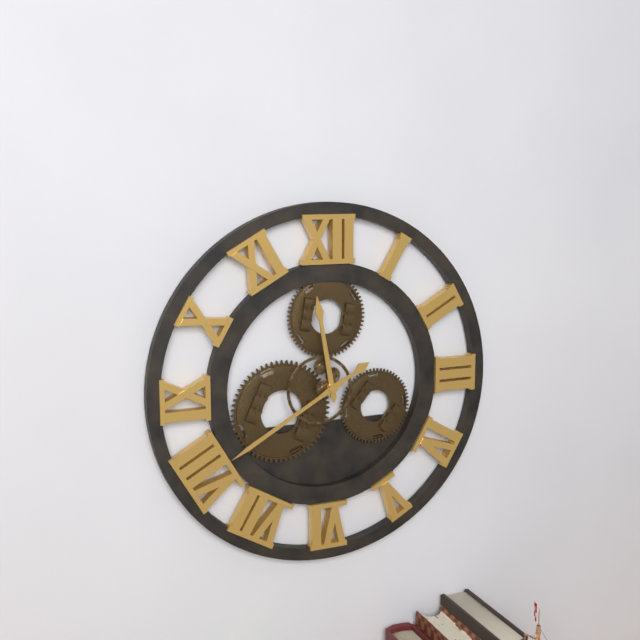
11:40
